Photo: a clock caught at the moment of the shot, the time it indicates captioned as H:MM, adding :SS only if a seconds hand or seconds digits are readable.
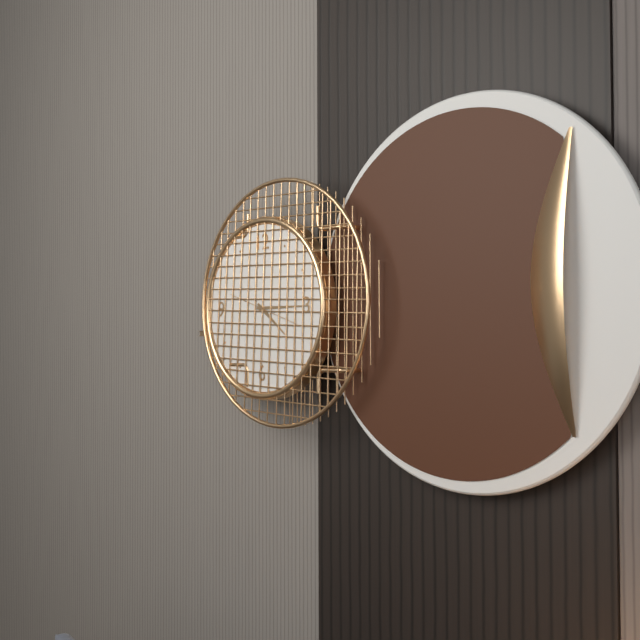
4:15
